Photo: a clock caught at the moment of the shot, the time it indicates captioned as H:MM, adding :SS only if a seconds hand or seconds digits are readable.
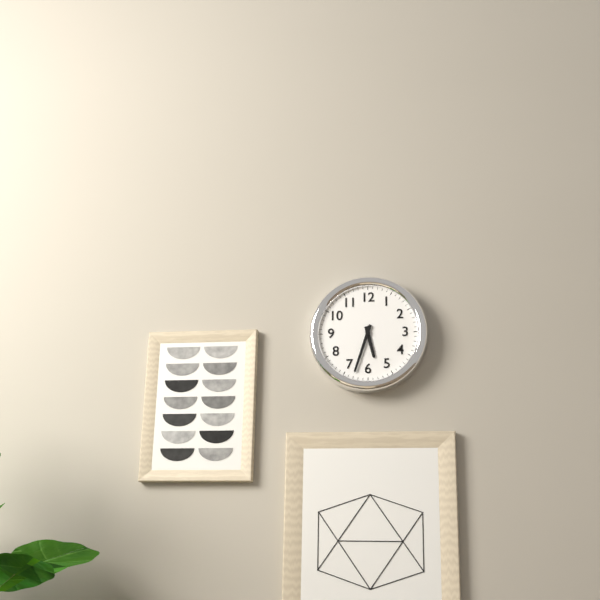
5:33
